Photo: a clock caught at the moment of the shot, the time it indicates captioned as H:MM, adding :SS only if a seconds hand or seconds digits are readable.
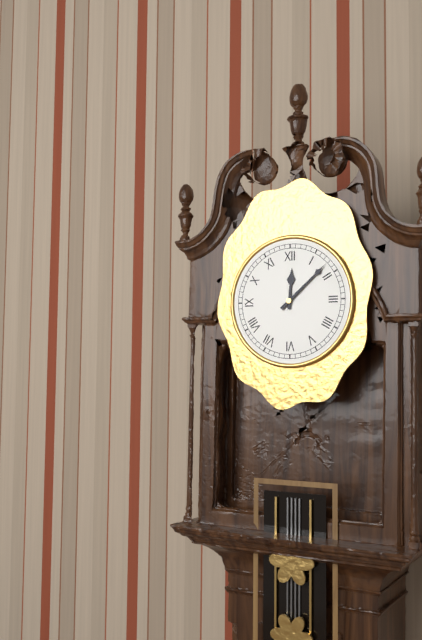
12:08
